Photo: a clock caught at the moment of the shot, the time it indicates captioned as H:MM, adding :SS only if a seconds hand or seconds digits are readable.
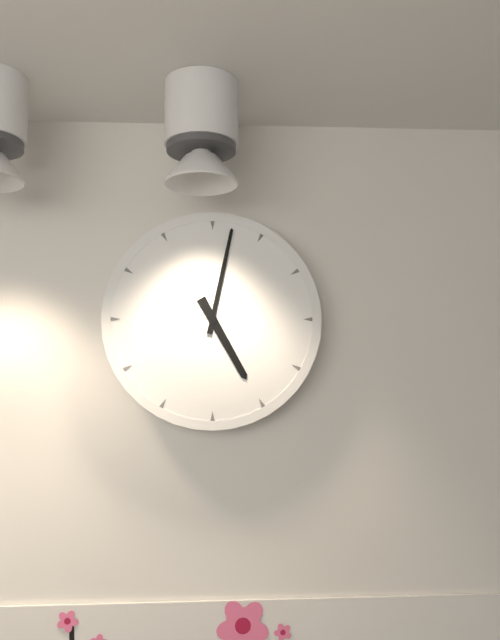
5:02
